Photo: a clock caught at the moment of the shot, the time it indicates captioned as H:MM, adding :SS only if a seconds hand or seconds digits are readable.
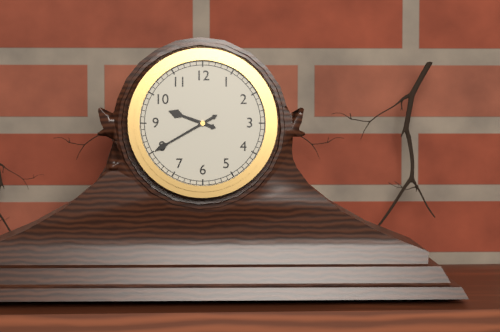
9:40
